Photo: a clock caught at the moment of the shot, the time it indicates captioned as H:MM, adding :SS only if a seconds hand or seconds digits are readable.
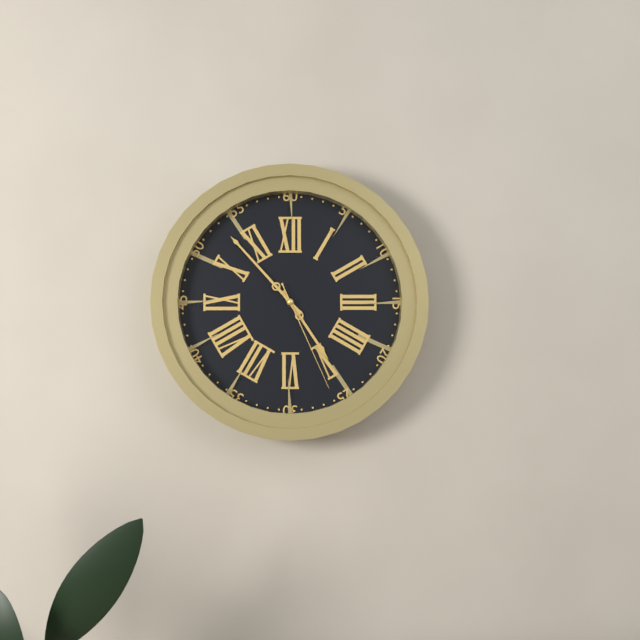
4:53:26
